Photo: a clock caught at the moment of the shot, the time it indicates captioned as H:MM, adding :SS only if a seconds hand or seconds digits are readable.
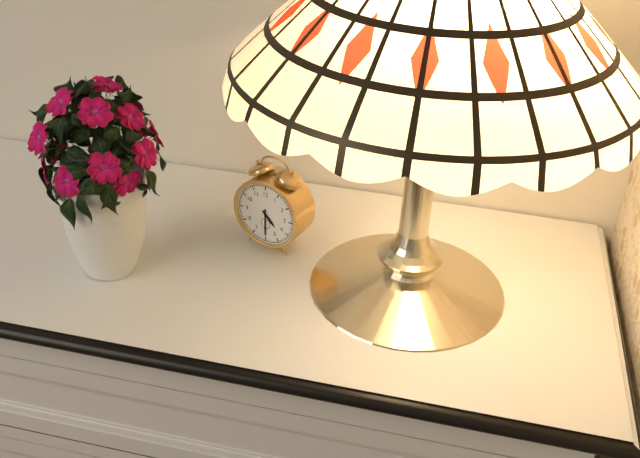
4:30
